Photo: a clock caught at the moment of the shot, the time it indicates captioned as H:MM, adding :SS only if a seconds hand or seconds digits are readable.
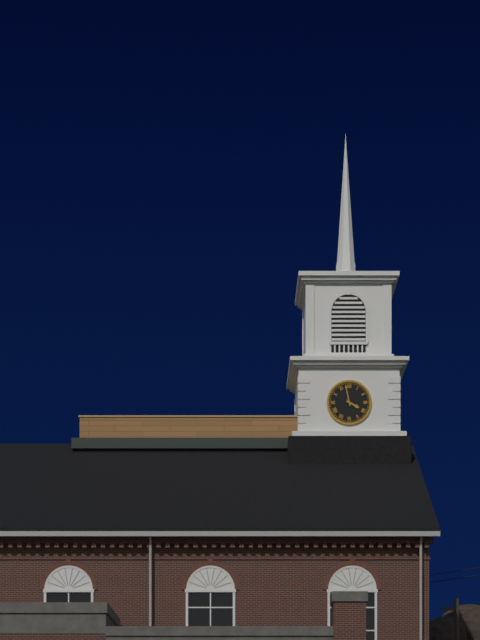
3:58
